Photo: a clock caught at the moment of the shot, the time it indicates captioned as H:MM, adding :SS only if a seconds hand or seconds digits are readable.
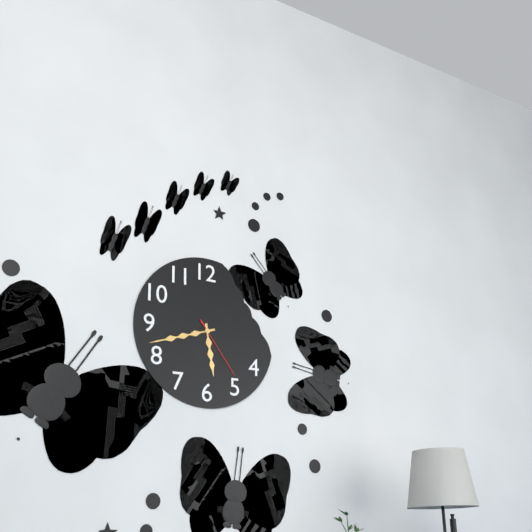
5:42:24
